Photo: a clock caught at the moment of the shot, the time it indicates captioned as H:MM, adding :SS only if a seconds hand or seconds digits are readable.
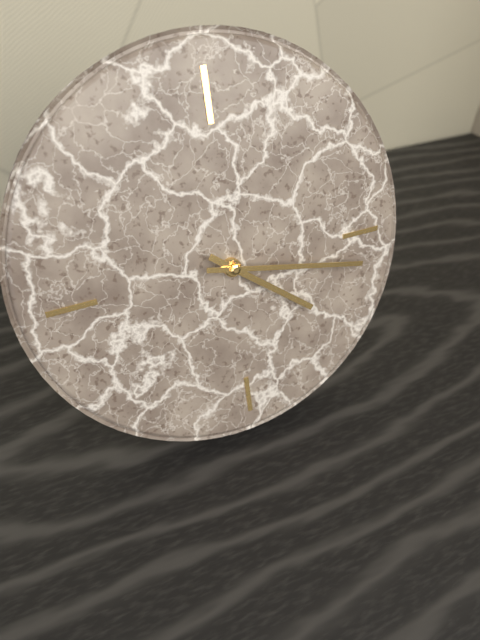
4:17
